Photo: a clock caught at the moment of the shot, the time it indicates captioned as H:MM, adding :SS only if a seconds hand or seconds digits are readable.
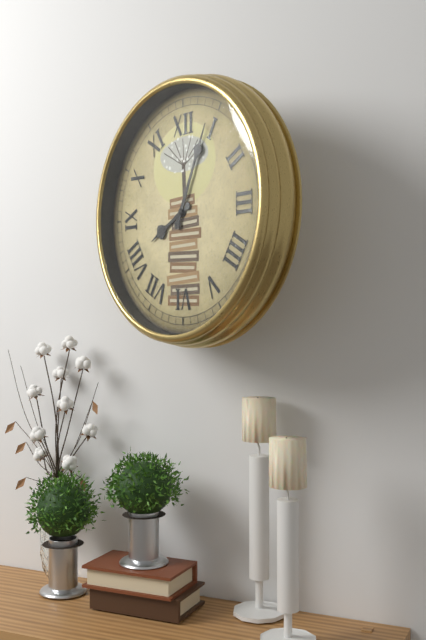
8:04
